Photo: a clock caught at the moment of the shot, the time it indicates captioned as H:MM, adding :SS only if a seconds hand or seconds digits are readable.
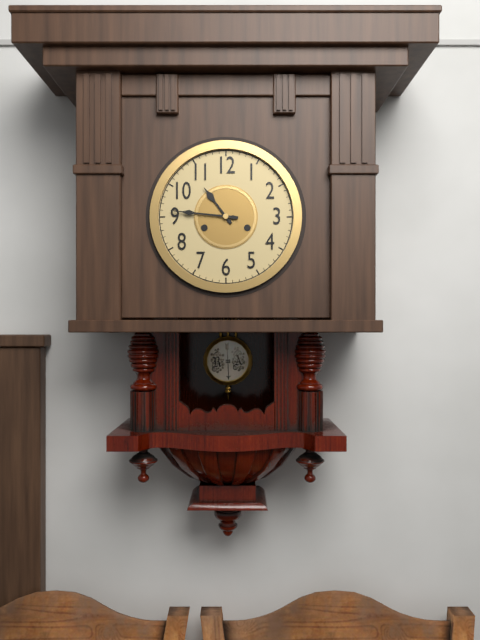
10:46
